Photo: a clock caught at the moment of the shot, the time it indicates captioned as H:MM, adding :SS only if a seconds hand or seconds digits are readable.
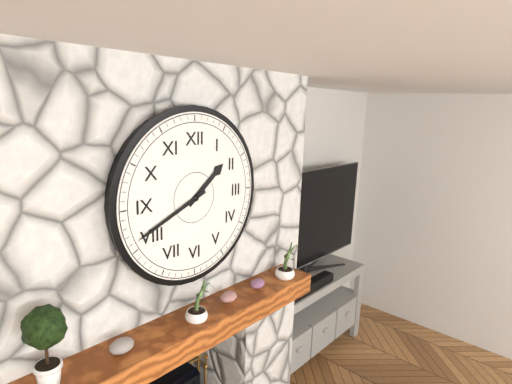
1:41
